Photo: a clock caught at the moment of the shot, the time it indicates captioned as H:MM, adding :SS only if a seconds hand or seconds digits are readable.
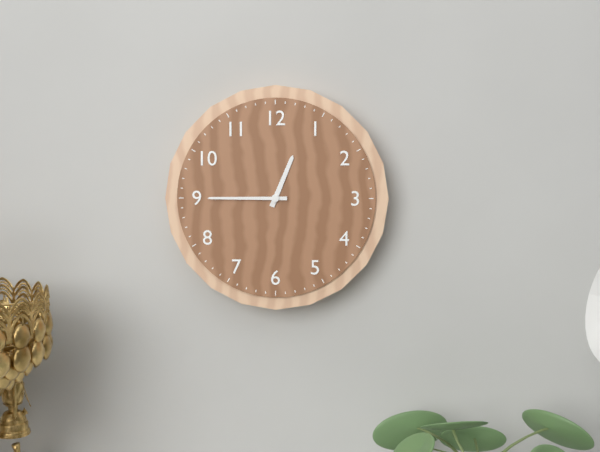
12:45
